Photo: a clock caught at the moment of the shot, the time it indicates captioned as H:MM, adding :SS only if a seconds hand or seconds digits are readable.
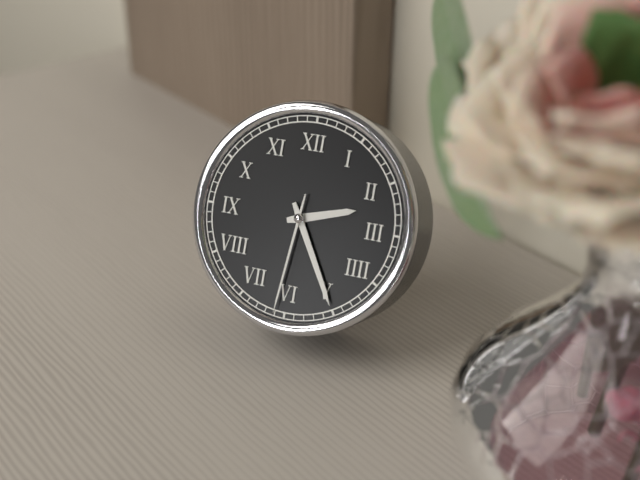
2:25:31
